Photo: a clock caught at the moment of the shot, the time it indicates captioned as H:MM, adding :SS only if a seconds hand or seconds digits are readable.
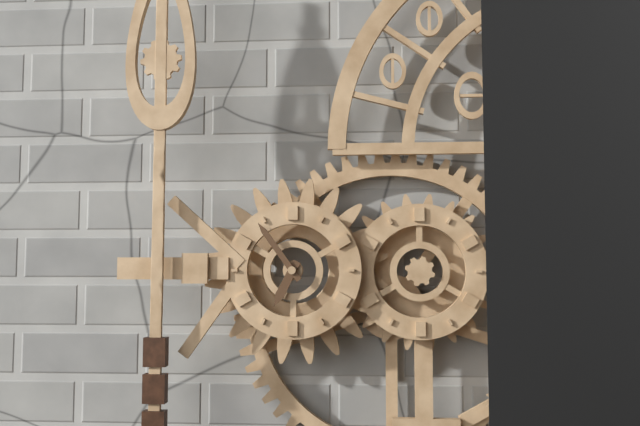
6:54
